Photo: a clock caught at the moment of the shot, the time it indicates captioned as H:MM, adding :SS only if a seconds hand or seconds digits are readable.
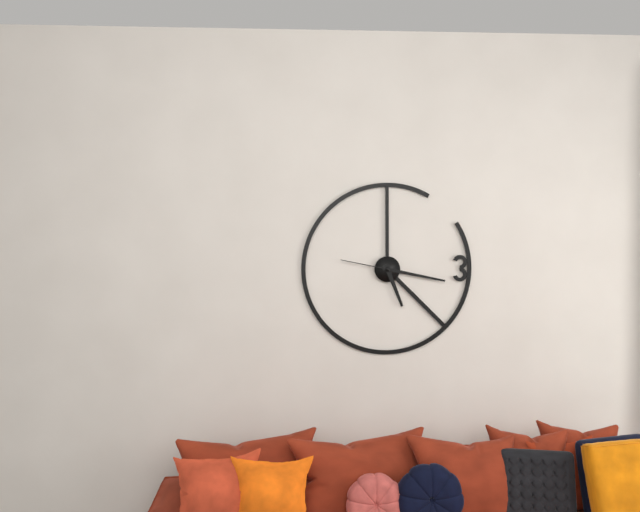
5:17:47
